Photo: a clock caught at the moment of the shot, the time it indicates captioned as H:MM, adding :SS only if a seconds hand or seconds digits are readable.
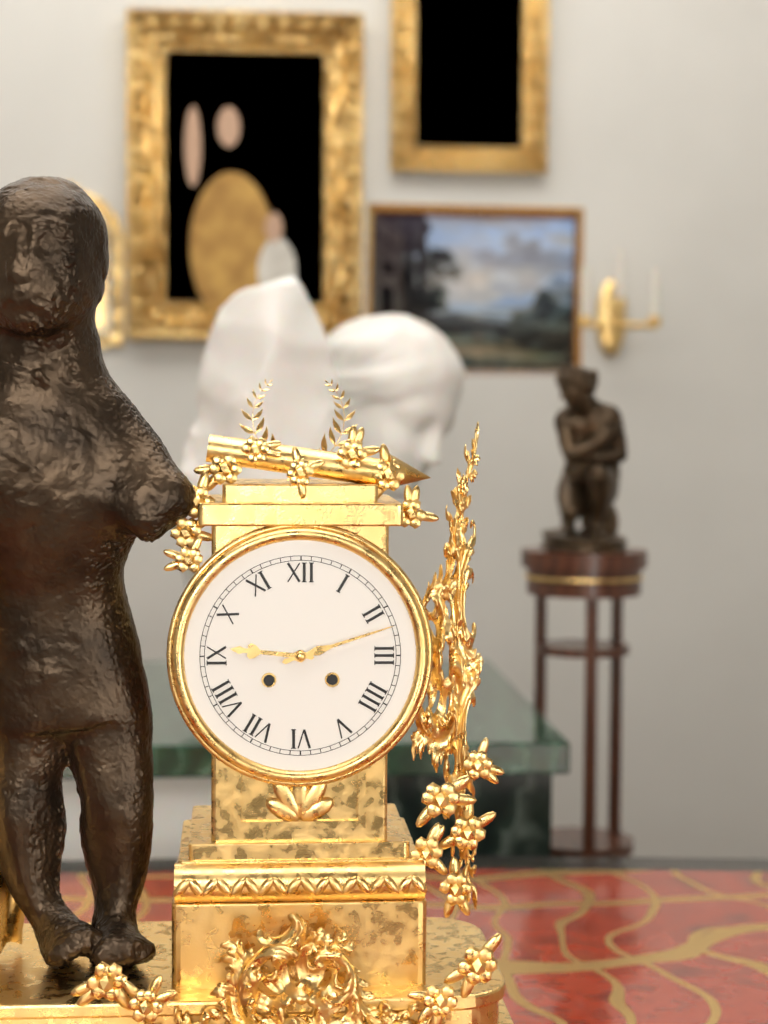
9:12
